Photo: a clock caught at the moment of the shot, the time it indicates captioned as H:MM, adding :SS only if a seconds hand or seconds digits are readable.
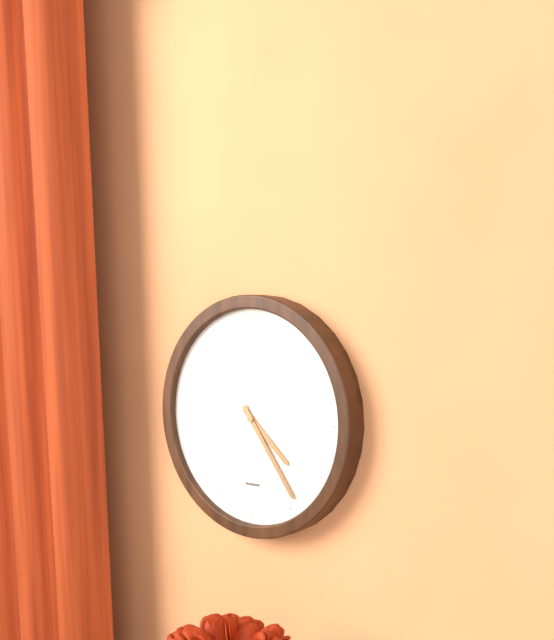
4:24
